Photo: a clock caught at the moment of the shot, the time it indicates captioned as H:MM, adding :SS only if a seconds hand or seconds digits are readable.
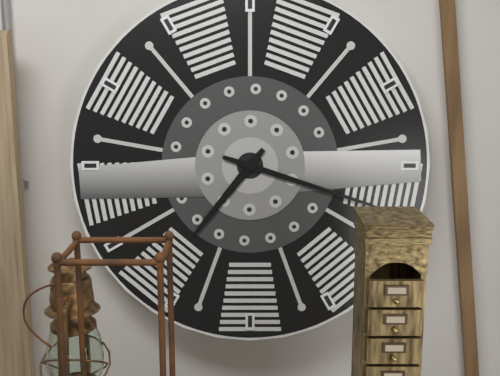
7:18
